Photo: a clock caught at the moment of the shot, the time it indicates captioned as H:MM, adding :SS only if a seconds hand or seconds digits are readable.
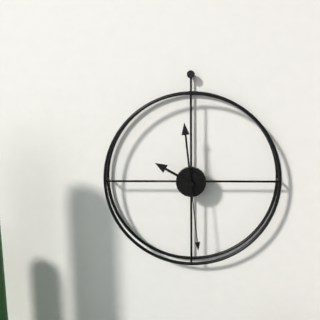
9:59:29
